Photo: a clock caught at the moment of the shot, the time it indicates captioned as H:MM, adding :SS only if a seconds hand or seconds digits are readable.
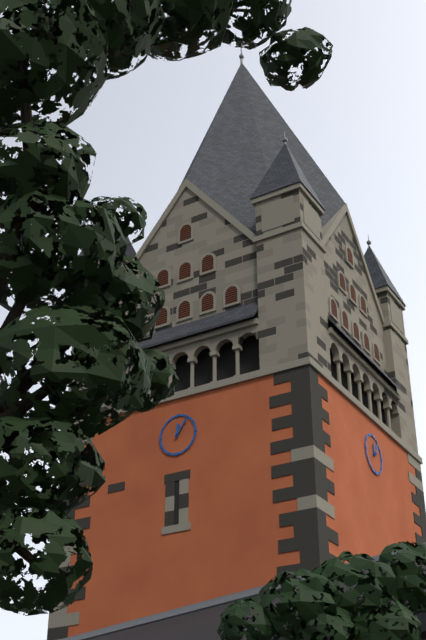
12:06
